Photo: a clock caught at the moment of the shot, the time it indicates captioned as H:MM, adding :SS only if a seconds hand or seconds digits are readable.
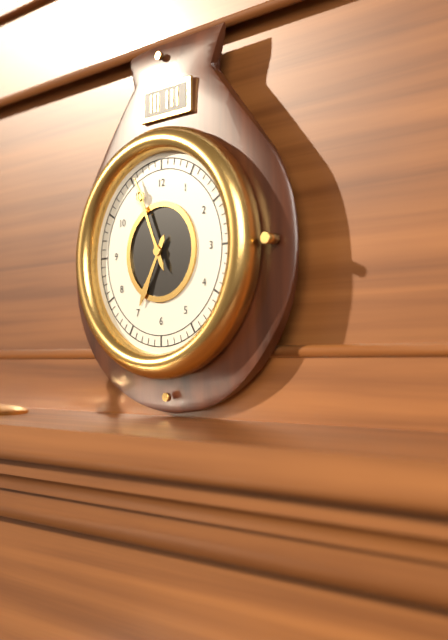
6:56
